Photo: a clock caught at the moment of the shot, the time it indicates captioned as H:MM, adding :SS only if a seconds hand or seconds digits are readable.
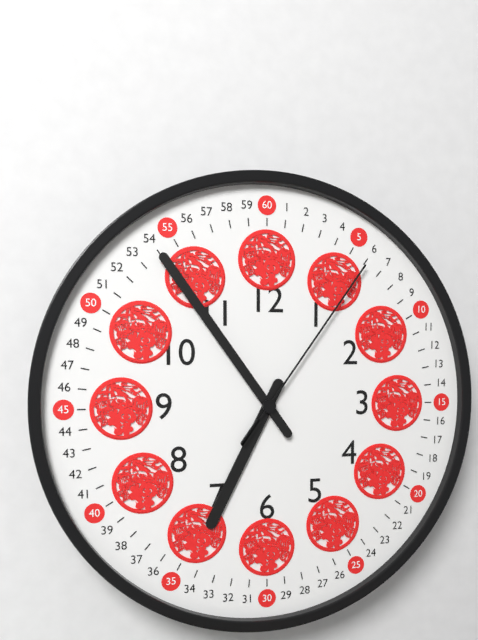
6:54:06
